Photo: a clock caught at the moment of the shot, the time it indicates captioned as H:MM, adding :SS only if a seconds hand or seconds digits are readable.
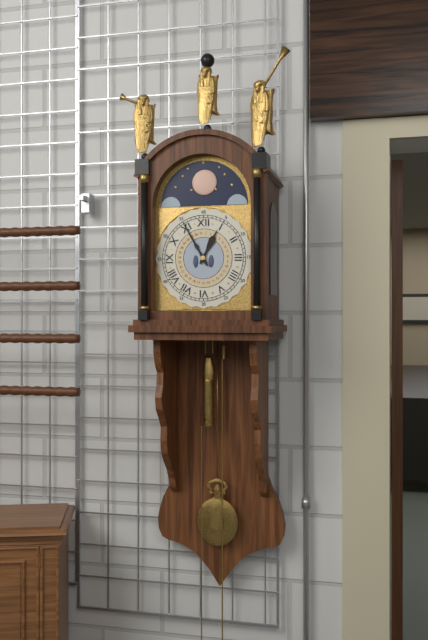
12:55
